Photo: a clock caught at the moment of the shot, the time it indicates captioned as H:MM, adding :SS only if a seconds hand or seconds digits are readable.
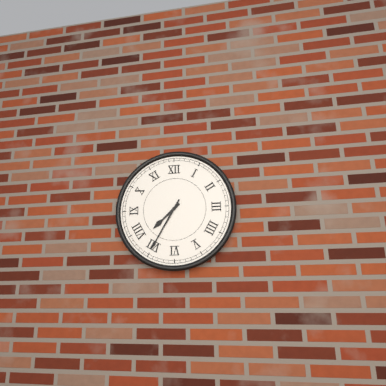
7:35
